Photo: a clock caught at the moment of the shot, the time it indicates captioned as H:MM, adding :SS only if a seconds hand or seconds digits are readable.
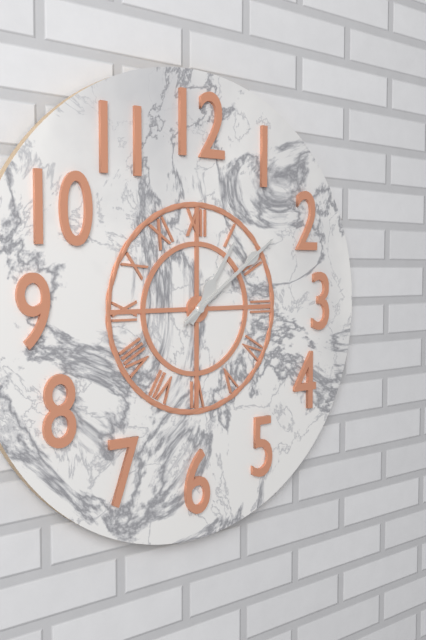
1:09:09
